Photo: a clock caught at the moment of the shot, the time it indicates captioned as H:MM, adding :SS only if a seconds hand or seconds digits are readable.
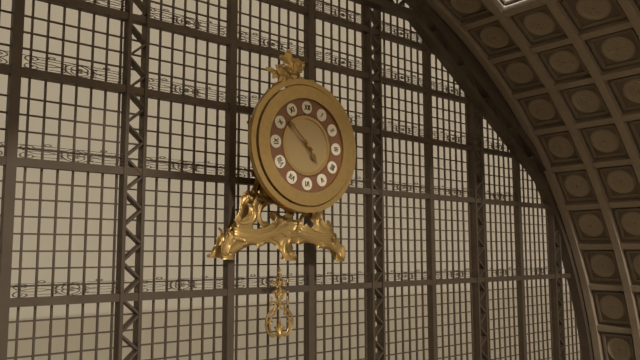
4:52
